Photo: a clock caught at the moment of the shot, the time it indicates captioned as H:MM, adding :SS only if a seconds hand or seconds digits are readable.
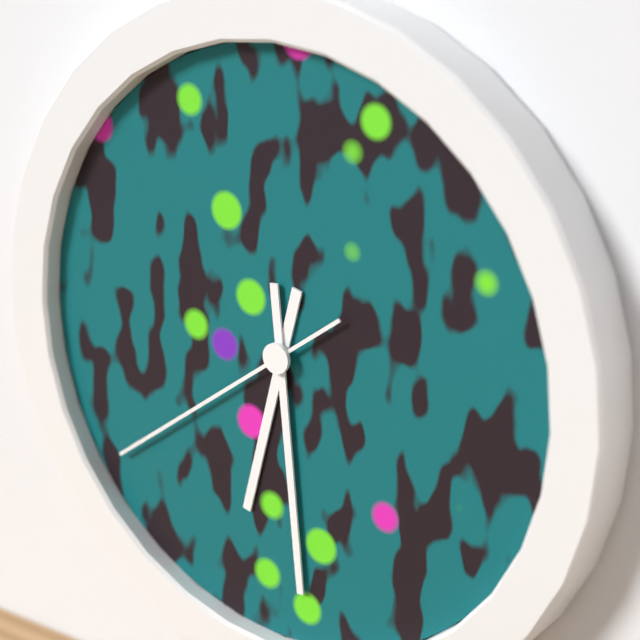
6:29:39
